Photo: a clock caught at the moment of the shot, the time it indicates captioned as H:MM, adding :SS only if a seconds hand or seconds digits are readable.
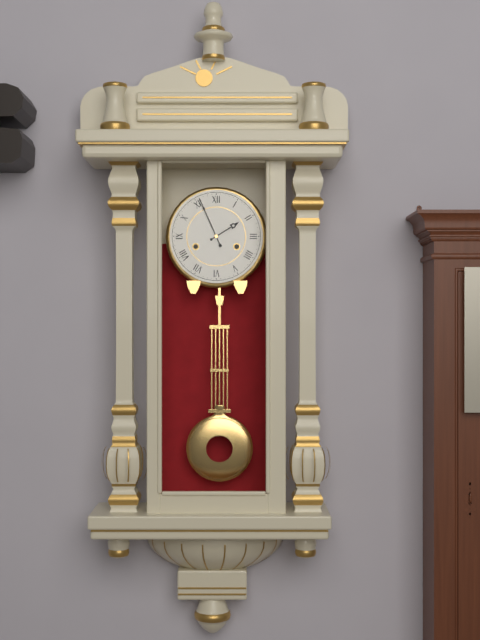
1:56
